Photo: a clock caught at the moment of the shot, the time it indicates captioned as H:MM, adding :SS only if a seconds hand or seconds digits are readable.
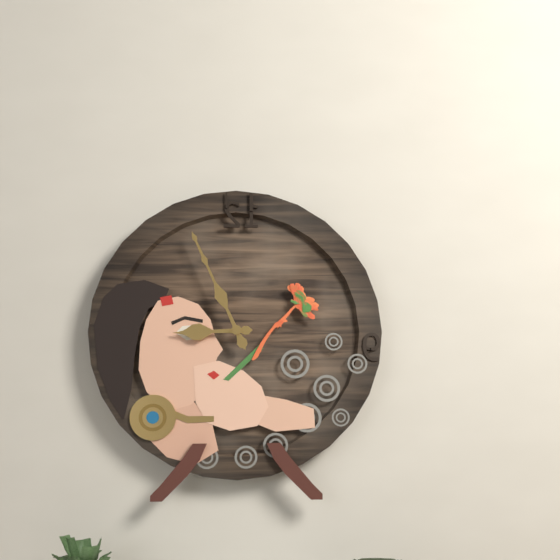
8:56
